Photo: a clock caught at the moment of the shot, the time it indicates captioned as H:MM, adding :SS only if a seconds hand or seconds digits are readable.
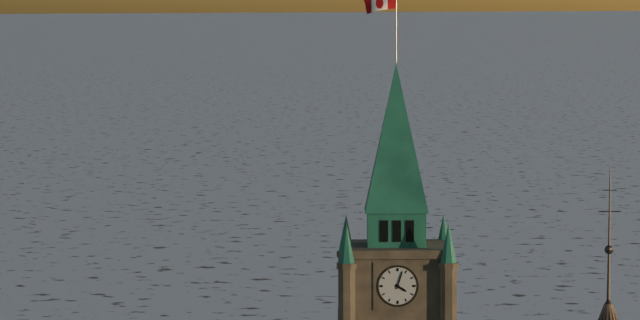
4:03
